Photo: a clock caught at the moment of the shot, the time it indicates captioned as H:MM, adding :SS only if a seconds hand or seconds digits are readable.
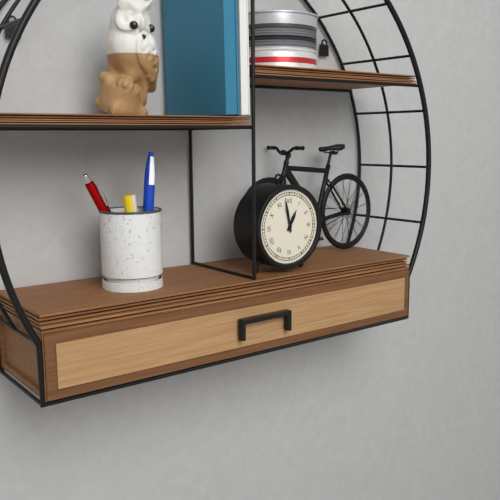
12:58
